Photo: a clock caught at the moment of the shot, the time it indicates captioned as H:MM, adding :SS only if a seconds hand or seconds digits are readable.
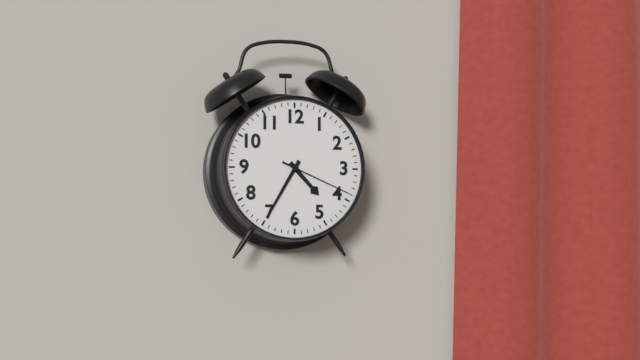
4:35:19
